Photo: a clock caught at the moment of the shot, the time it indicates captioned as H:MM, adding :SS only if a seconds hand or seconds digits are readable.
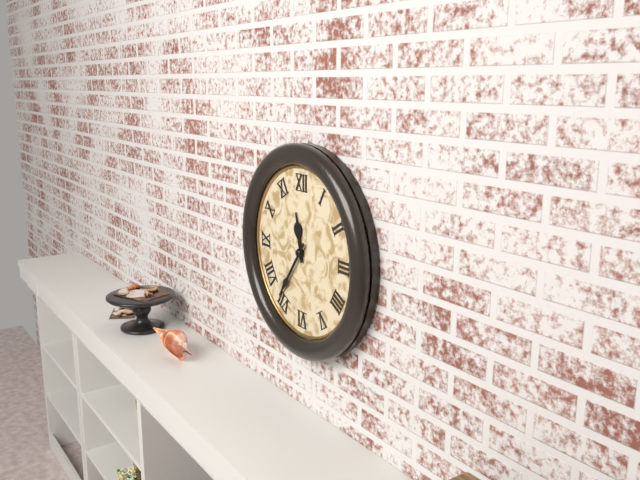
11:36
